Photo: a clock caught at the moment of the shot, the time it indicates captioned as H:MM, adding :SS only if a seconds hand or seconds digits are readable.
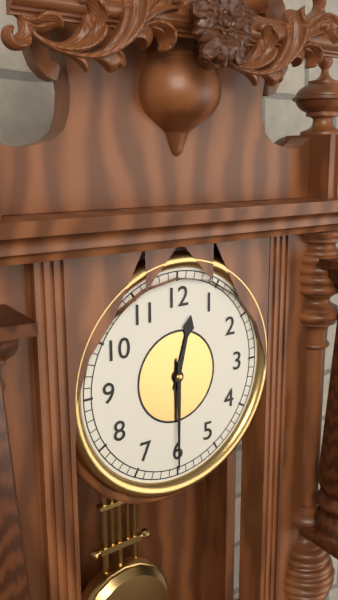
12:30
